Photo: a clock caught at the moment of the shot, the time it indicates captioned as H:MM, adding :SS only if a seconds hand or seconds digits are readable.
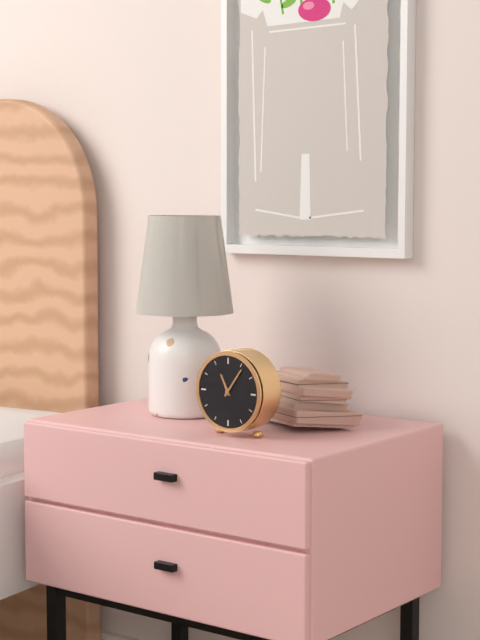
11:06
